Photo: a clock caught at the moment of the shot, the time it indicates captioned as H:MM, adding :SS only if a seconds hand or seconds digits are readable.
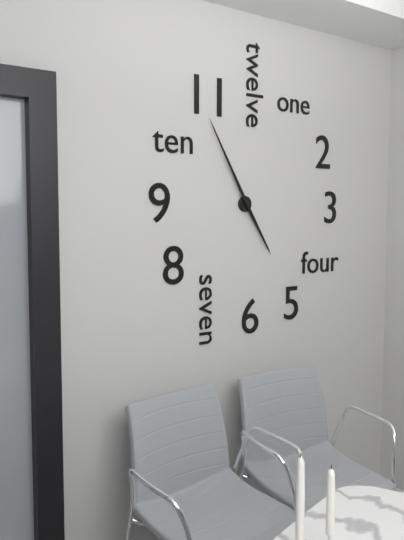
4:55
